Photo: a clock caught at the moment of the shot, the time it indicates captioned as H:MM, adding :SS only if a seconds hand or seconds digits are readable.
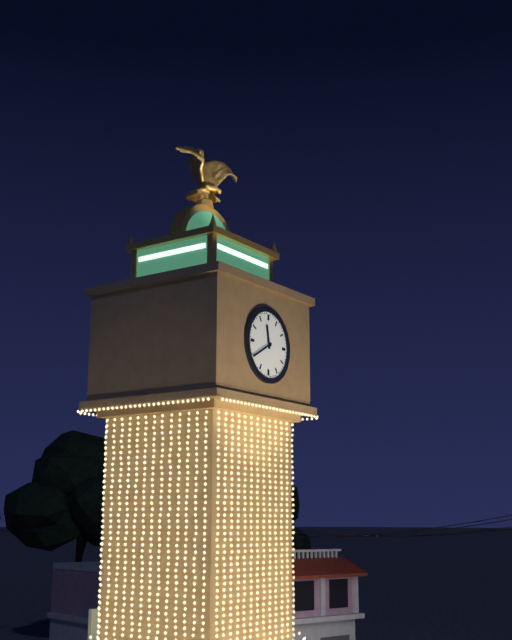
11:40
